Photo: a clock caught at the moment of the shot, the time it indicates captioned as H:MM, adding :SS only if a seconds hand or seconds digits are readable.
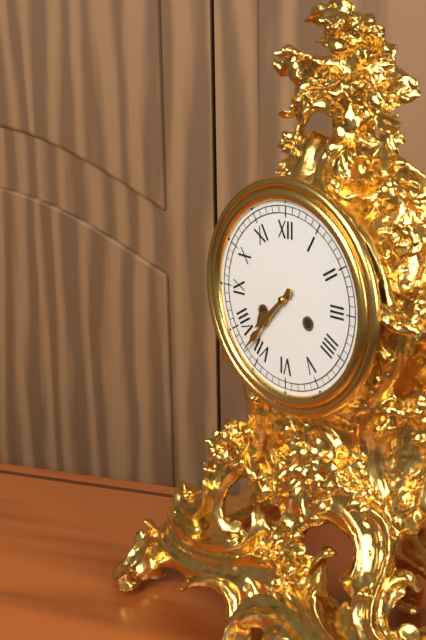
7:37
